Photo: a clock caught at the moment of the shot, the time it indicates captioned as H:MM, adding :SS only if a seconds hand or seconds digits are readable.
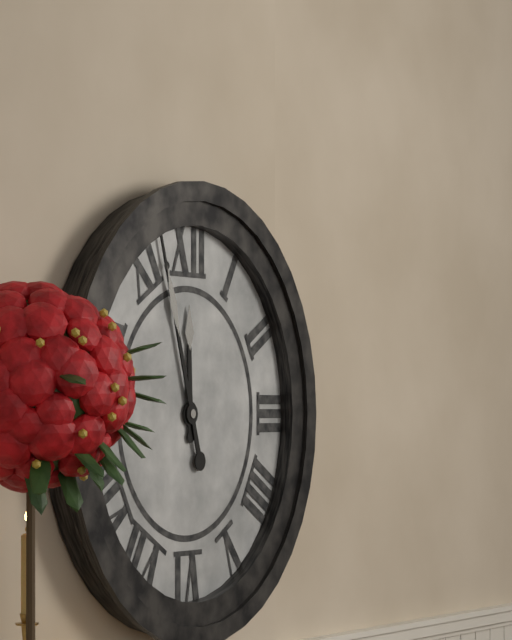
11:57
